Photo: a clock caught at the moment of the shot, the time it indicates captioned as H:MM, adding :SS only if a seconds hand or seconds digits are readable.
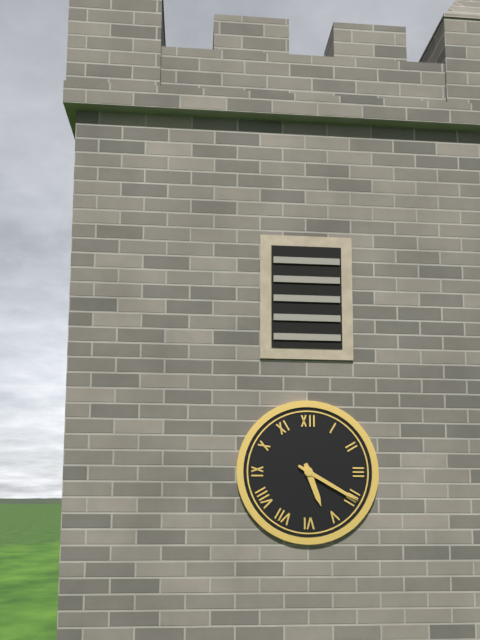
5:20
